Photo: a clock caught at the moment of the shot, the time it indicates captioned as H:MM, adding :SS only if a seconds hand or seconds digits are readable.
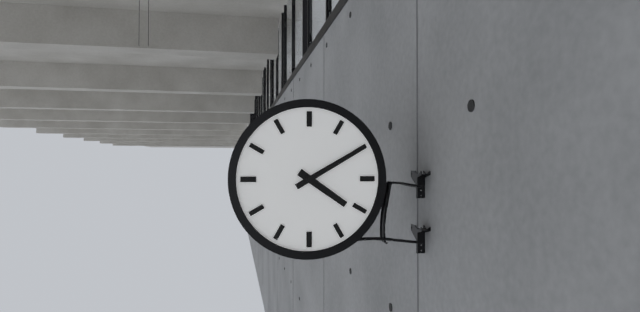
4:10
